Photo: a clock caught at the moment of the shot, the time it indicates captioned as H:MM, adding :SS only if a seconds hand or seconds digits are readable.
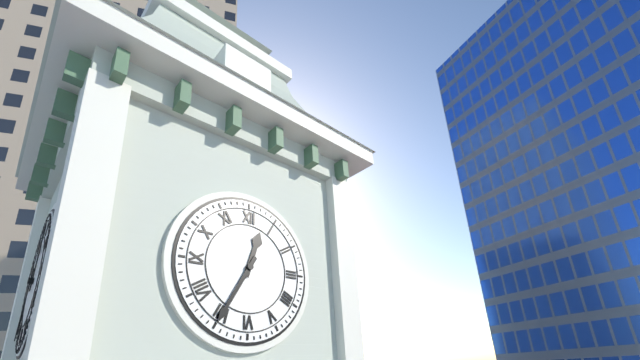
12:35
